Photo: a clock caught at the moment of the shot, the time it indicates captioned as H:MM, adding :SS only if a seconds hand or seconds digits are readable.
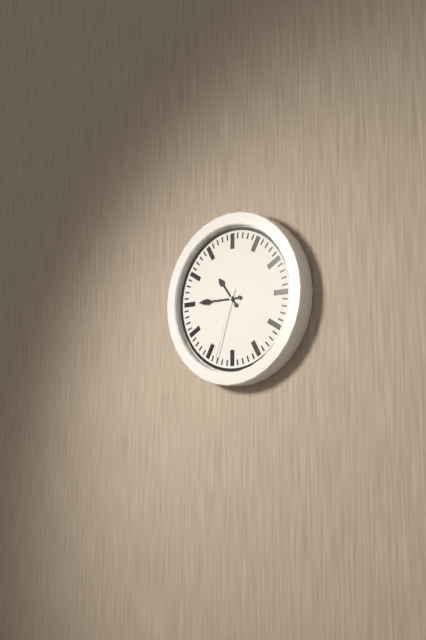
10:45:33
